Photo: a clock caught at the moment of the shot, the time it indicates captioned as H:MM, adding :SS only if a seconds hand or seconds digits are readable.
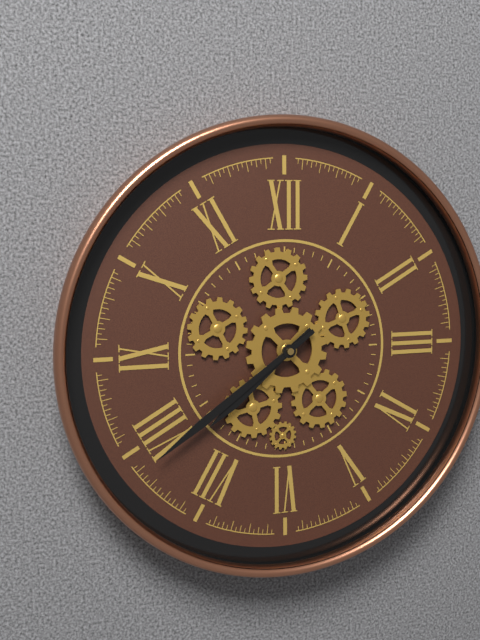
7:39
